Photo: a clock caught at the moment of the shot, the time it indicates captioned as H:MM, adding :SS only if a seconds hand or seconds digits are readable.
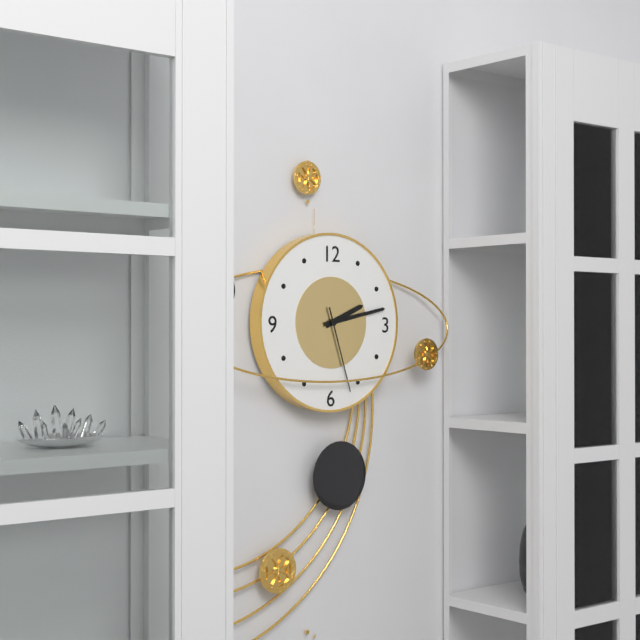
2:13:27
